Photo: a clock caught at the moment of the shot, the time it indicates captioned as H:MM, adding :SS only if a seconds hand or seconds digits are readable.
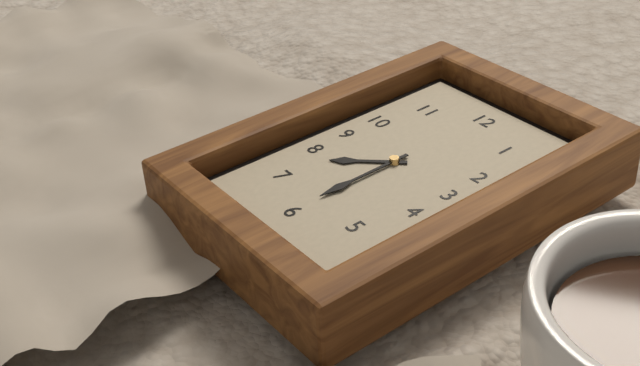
7:30
